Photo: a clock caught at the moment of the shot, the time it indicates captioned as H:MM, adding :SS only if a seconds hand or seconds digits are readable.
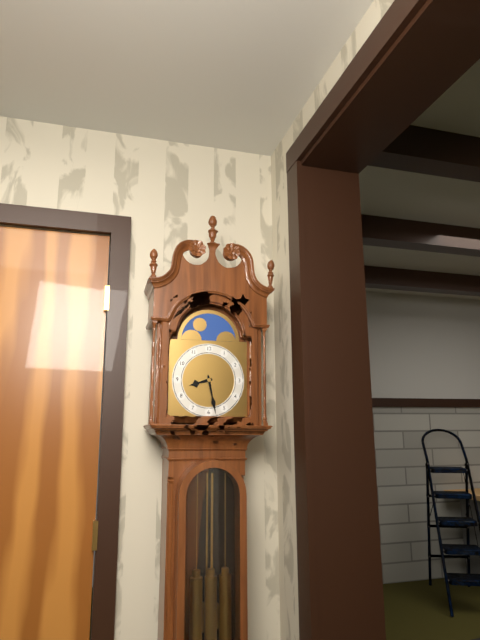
8:28
